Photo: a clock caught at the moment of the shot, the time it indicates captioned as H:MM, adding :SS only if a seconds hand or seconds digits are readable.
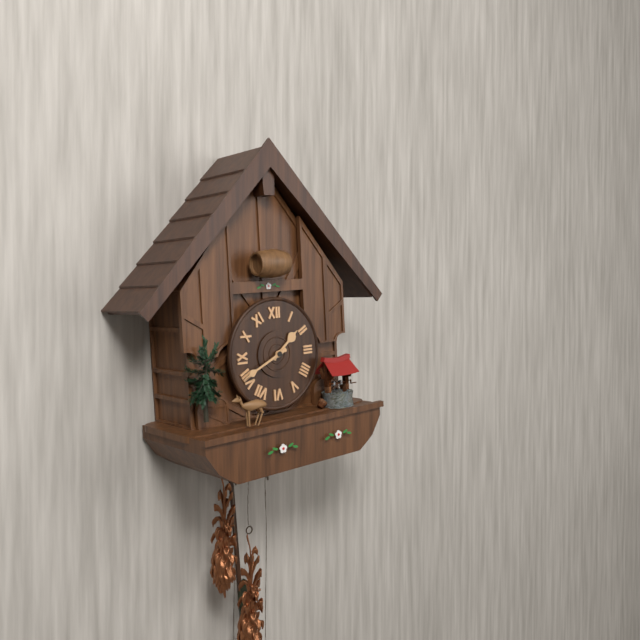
1:41
